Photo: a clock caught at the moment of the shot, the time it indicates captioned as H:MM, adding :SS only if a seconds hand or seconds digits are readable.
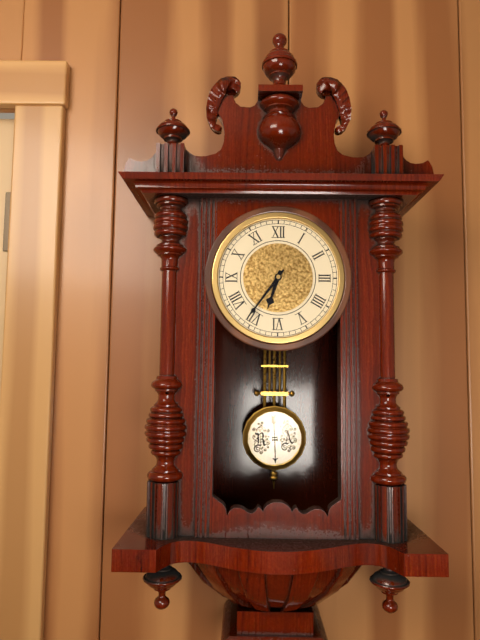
6:36
